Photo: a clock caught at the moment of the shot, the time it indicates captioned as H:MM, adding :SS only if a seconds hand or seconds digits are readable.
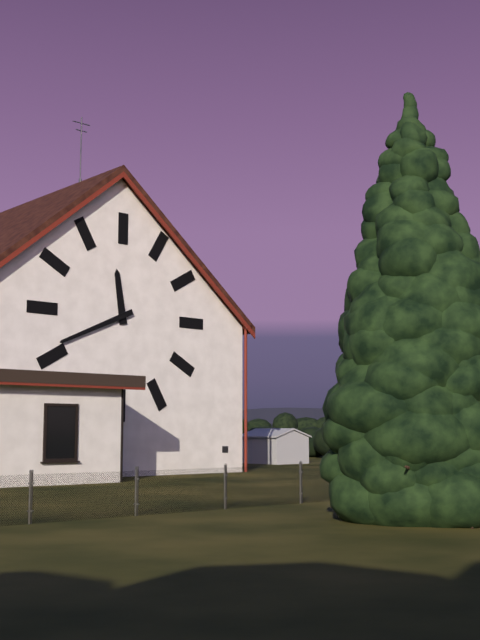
11:41
